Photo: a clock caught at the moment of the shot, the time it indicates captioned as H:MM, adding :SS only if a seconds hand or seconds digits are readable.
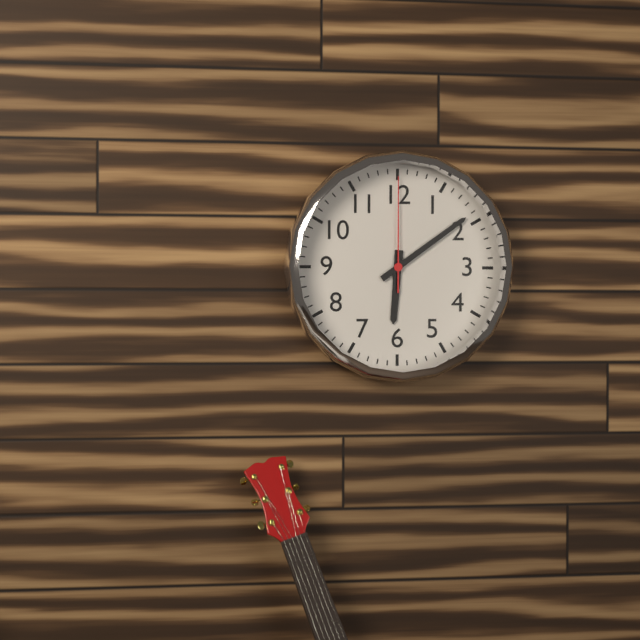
6:09:00
